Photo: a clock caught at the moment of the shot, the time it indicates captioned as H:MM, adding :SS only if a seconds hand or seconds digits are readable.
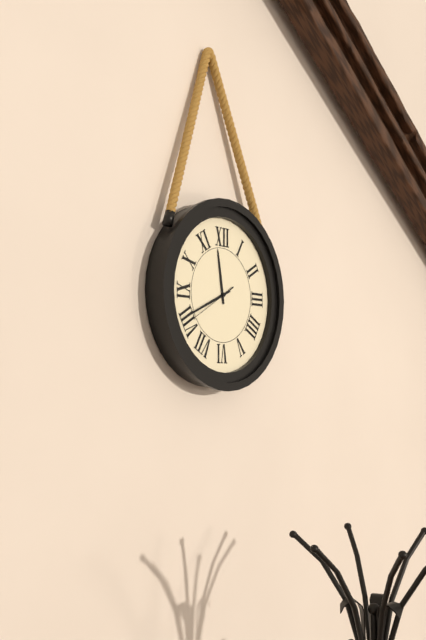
11:41:40
